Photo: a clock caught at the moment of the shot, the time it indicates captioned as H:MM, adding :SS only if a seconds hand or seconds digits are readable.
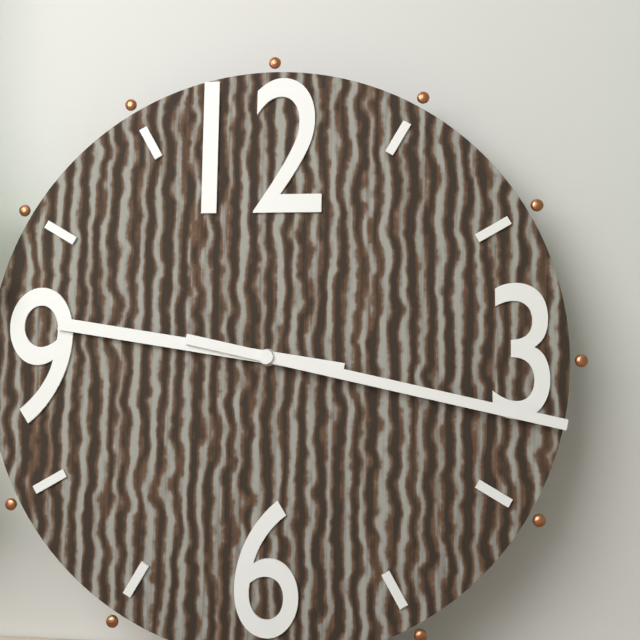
9:17
